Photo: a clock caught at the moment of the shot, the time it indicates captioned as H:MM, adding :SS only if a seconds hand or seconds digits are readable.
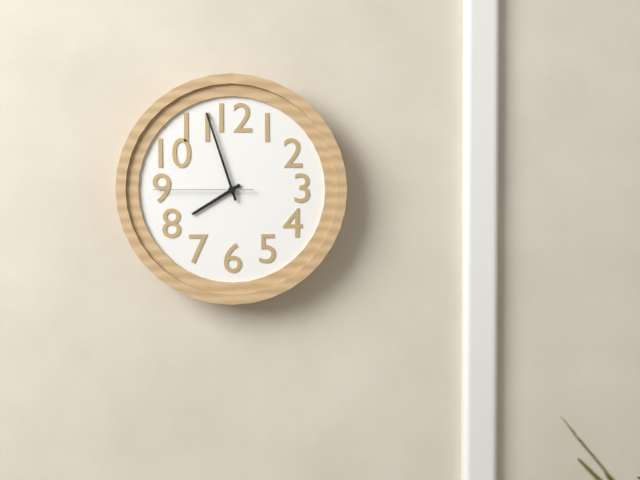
7:57:45
